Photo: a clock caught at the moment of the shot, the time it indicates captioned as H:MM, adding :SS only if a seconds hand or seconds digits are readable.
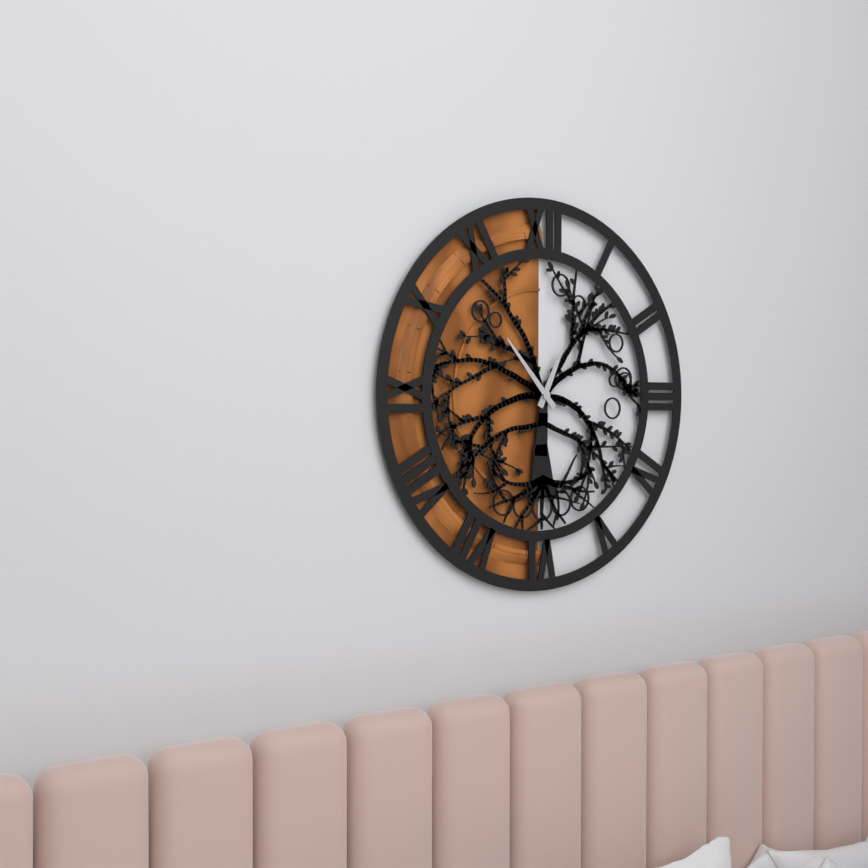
12:53
